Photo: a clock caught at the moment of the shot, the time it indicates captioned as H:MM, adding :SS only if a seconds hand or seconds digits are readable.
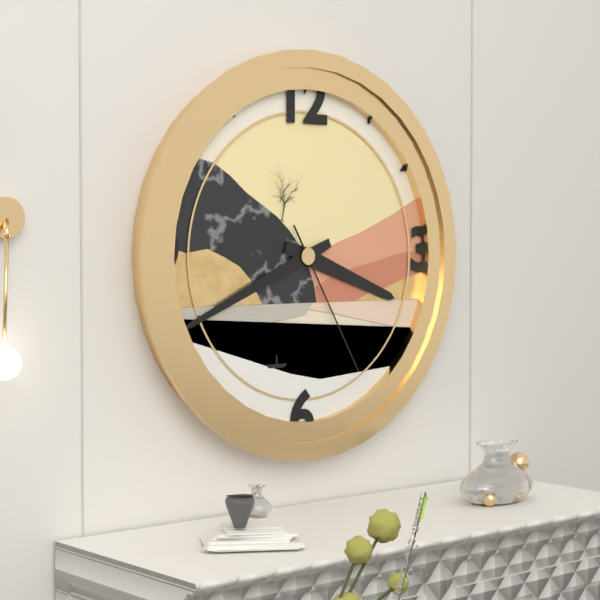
3:41:25
